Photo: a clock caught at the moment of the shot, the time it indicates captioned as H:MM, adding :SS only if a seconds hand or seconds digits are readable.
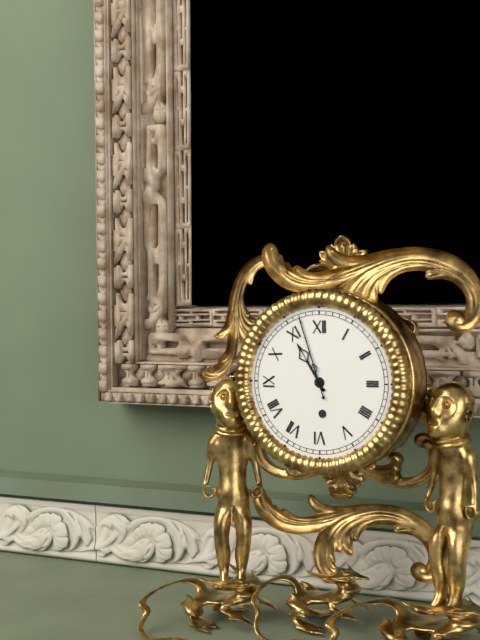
10:57
